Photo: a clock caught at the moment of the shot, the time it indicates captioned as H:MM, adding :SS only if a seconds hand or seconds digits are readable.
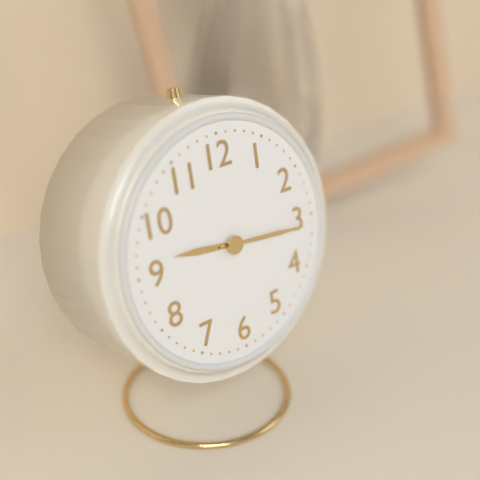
9:16
